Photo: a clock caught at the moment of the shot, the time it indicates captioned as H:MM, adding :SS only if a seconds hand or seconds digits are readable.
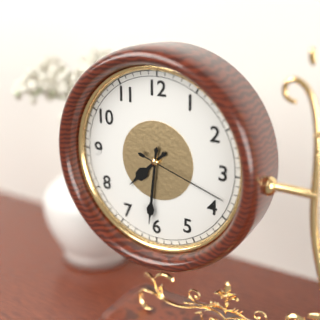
7:31:18
